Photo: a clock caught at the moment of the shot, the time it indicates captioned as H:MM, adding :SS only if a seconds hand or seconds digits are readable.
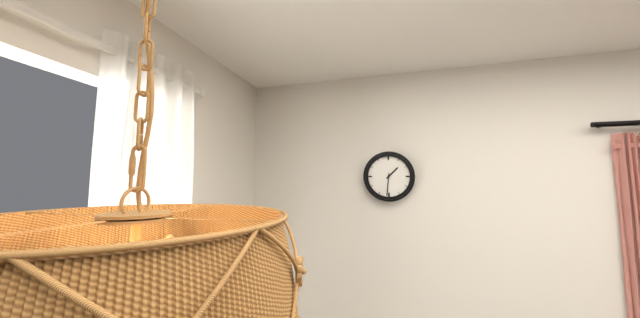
1:31
